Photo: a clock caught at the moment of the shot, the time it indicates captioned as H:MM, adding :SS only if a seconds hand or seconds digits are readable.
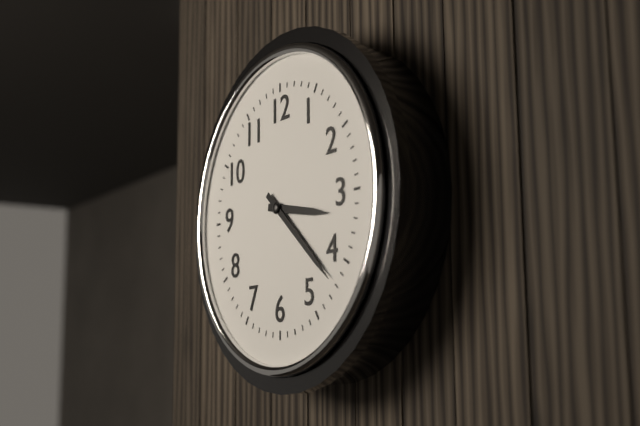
3:22
